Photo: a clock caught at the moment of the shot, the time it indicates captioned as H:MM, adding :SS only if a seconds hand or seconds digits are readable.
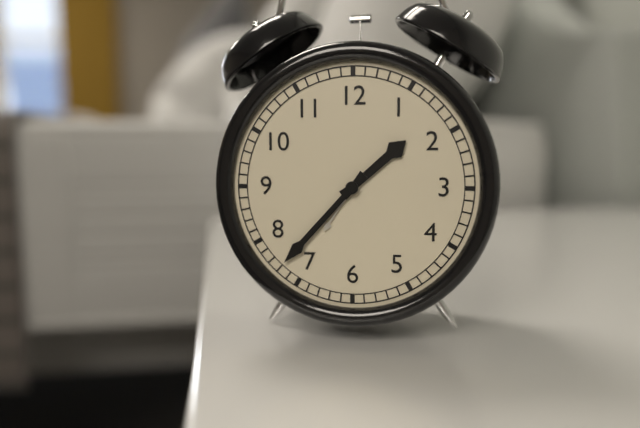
1:37
